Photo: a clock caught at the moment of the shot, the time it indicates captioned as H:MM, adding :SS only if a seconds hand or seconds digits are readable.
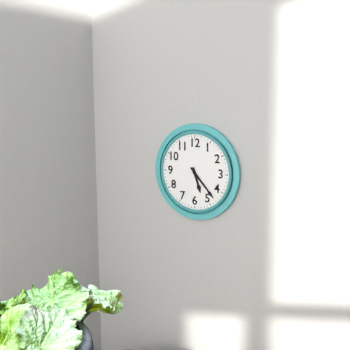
5:23
